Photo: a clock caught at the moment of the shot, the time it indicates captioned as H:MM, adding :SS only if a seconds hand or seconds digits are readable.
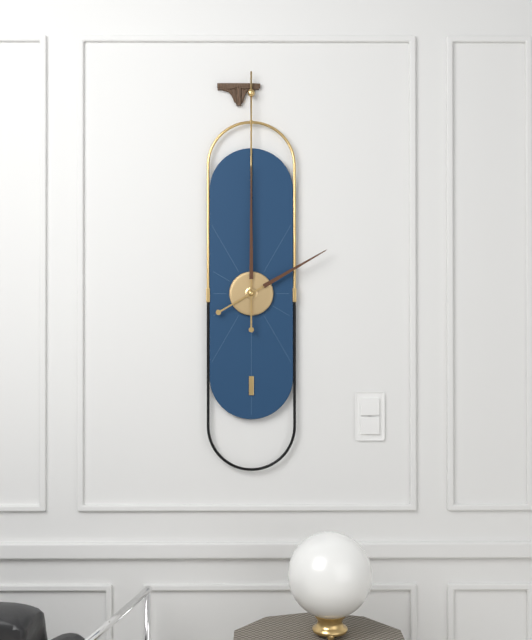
2:00
